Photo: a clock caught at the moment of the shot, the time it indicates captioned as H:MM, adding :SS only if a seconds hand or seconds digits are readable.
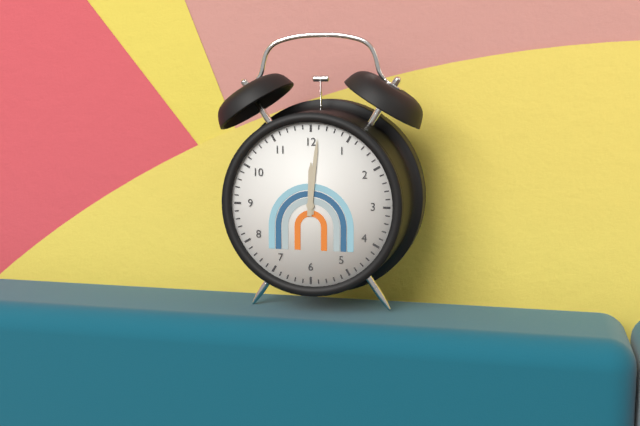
12:01
